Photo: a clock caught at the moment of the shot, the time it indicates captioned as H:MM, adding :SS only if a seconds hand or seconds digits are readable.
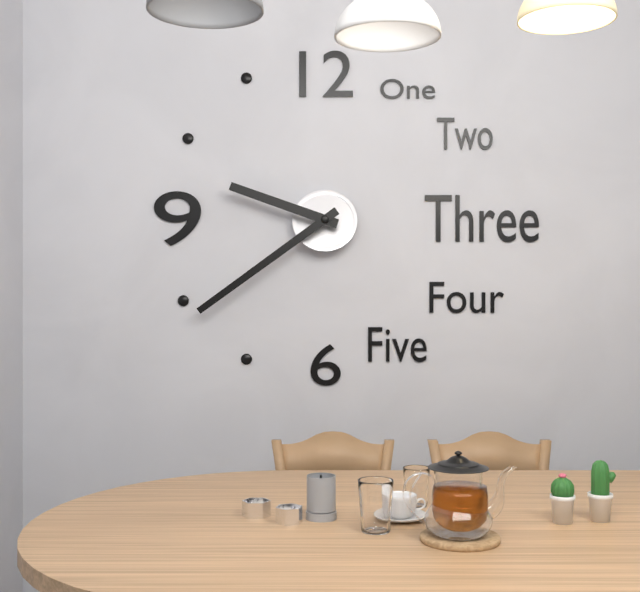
9:39
